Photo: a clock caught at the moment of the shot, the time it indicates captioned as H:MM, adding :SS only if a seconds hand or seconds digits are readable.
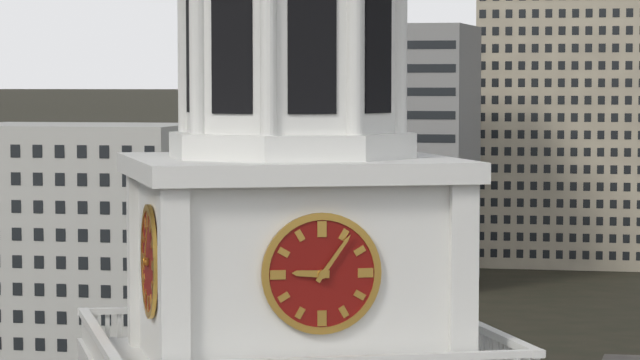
9:06
